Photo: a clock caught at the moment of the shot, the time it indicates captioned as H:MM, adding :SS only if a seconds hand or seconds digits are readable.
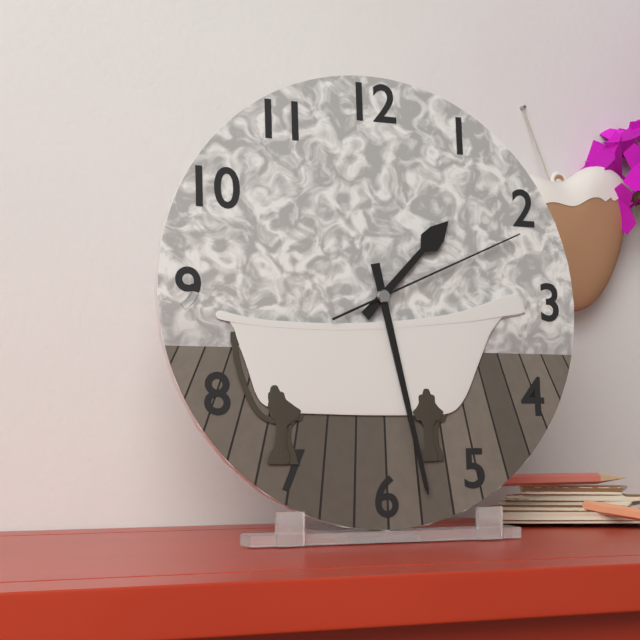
1:28:11
